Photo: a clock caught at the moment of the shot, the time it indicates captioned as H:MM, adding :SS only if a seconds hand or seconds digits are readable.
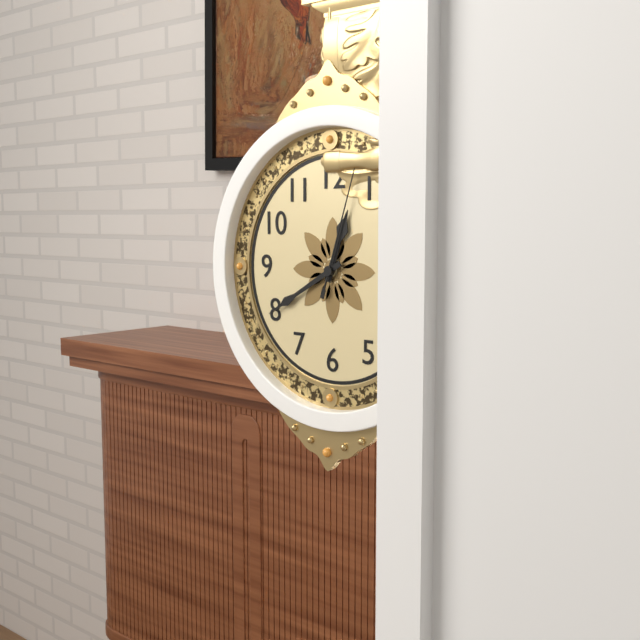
12:40:03
